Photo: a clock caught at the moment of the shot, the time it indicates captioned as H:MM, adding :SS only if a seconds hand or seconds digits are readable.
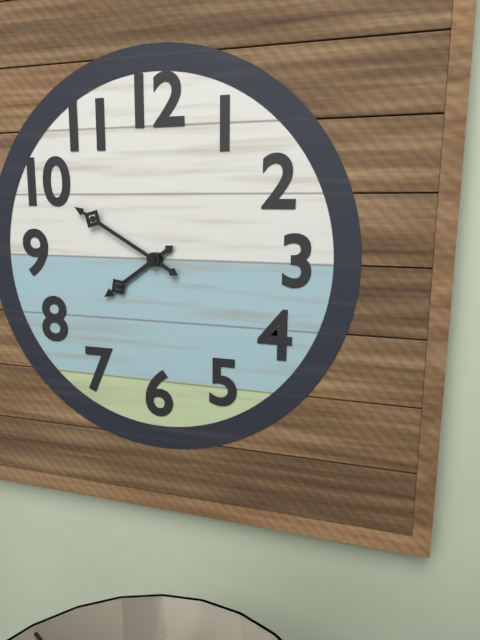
7:50
